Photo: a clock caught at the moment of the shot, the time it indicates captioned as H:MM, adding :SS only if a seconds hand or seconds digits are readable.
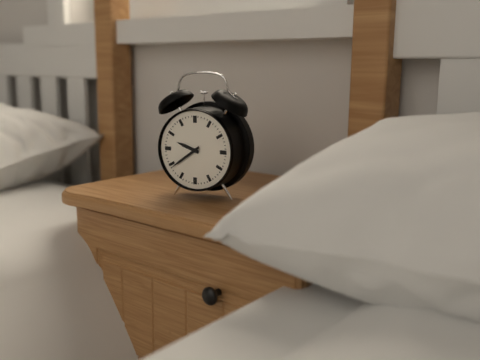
9:39
